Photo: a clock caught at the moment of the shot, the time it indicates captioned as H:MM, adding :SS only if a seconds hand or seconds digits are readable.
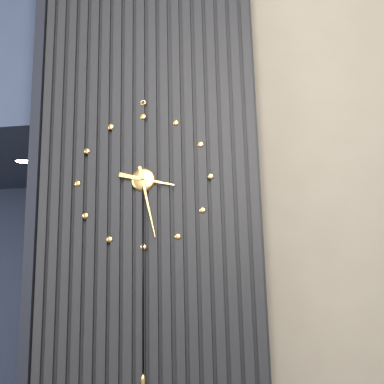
3:28
